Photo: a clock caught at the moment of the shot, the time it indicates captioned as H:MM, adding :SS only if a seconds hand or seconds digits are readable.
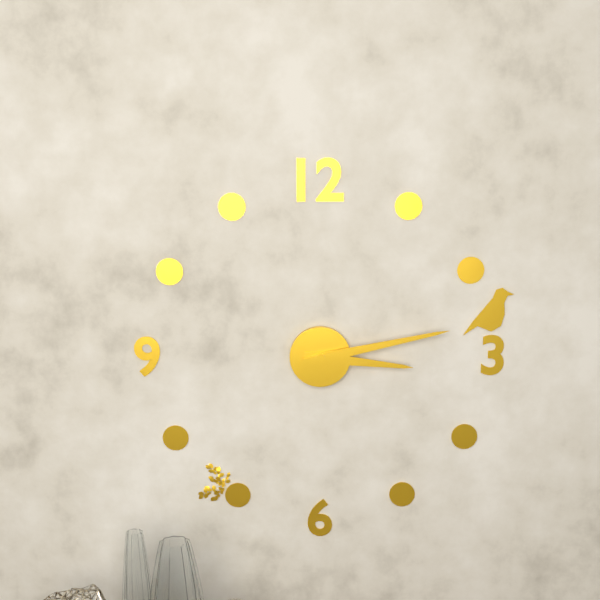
3:13
